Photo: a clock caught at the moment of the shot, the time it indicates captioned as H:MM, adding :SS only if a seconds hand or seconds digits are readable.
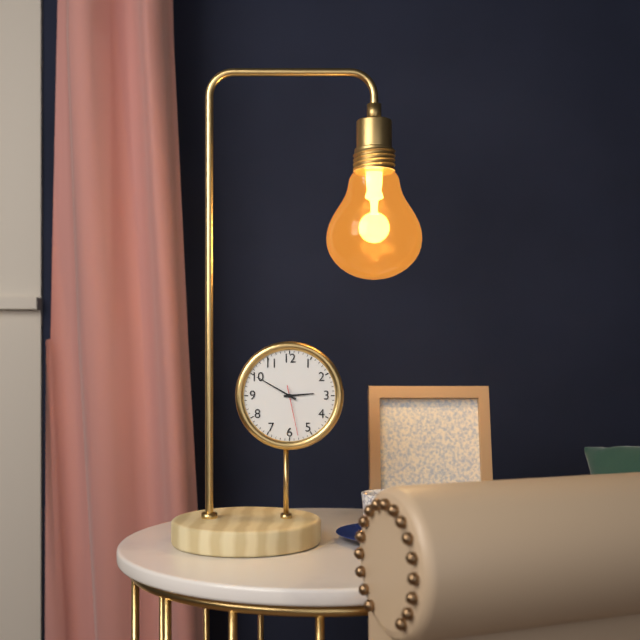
2:50:28
